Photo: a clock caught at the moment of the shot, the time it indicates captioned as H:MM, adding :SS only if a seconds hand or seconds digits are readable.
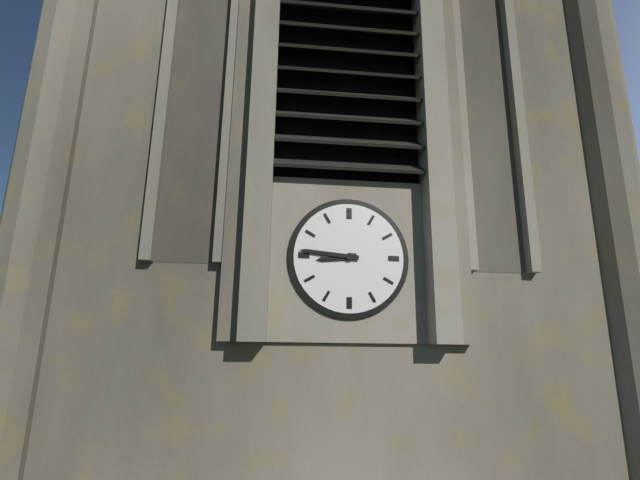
8:46
